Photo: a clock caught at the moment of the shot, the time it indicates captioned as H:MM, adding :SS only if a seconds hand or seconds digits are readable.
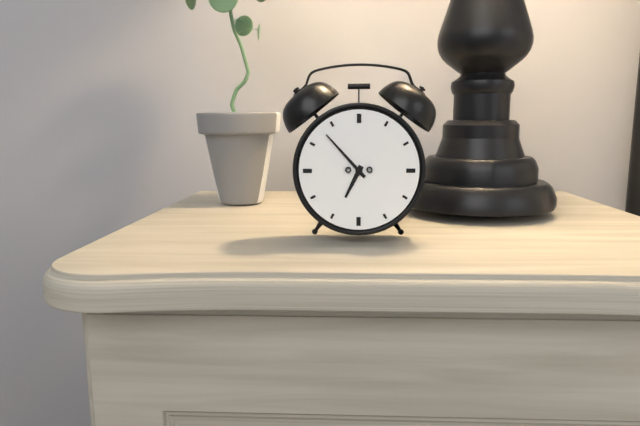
6:53
